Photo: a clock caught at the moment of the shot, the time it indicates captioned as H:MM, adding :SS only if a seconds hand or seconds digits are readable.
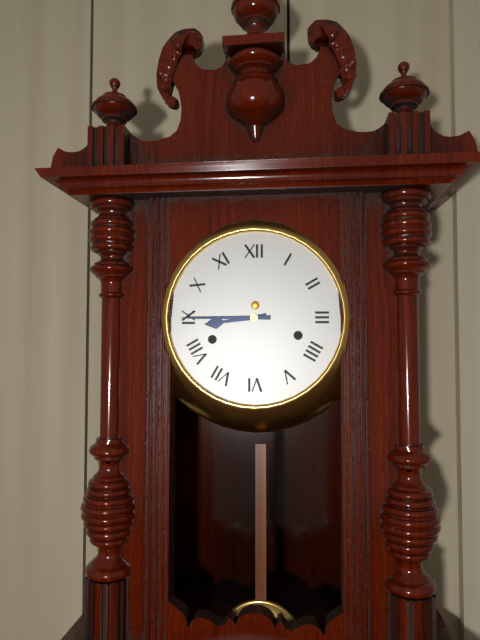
8:45
